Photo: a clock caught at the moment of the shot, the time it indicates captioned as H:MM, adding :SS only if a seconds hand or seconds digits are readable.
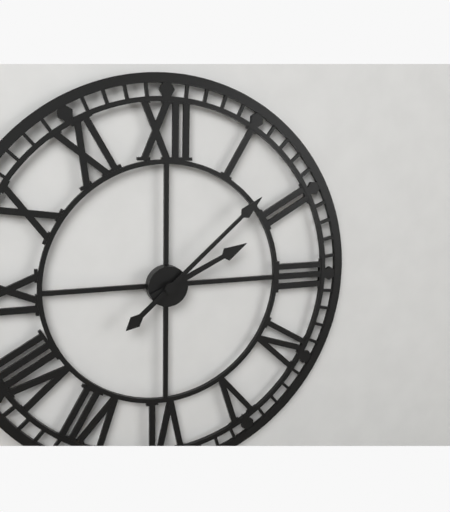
2:08
